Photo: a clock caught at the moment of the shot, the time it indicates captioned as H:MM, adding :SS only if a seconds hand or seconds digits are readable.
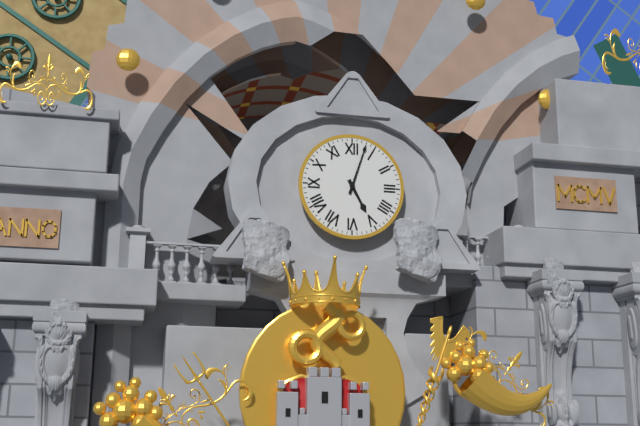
5:03
